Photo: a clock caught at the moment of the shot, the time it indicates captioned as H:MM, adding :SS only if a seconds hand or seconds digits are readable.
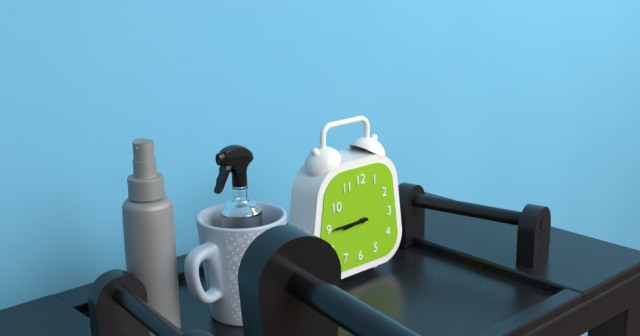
8:45
